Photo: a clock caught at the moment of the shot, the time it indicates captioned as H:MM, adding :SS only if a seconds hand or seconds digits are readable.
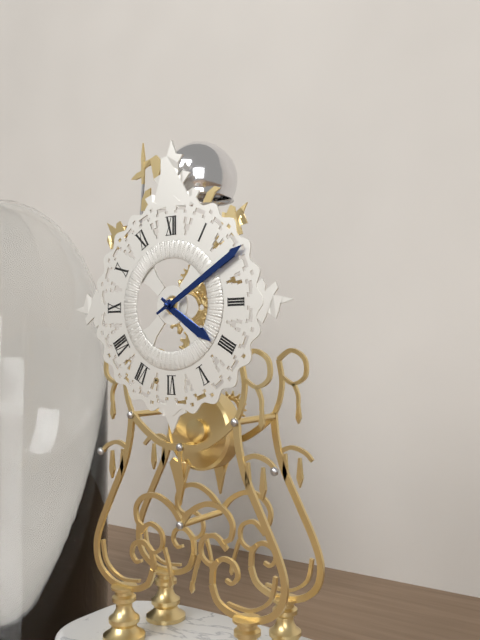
4:10
